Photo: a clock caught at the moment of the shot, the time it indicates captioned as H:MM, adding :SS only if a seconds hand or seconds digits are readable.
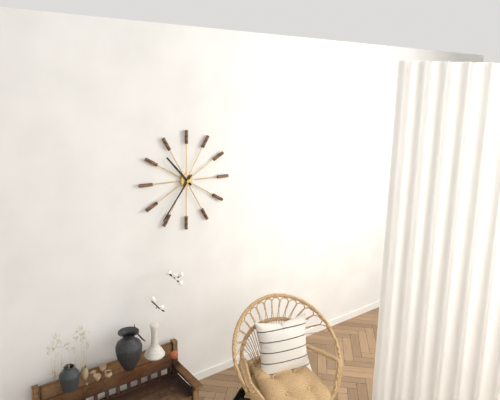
10:36
